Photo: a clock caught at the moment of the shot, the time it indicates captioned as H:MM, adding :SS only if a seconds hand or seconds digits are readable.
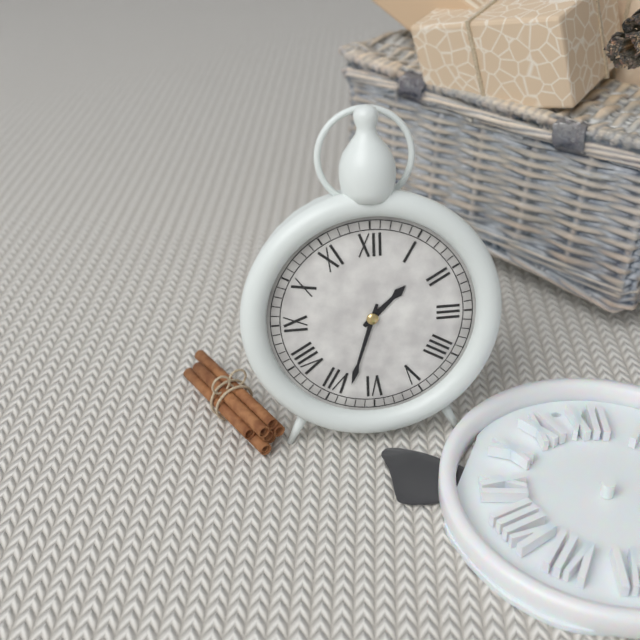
1:33
